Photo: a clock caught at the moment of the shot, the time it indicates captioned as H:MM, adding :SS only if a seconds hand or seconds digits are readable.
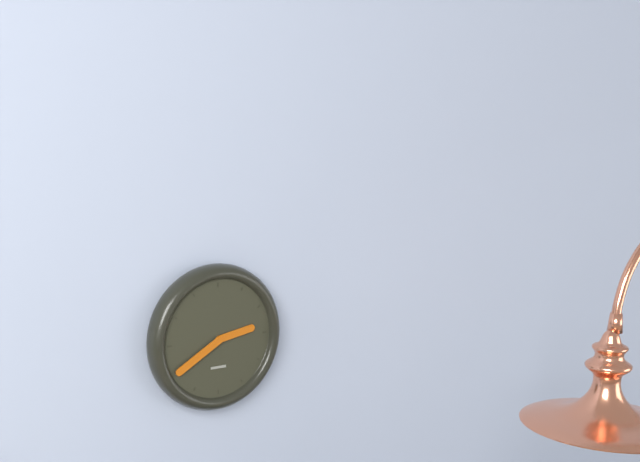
2:40
